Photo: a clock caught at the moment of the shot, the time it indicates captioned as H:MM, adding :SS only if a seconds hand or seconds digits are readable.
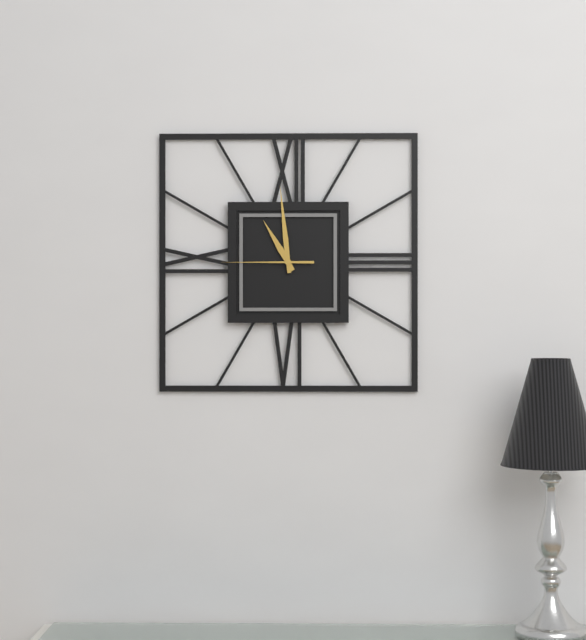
10:59:45
